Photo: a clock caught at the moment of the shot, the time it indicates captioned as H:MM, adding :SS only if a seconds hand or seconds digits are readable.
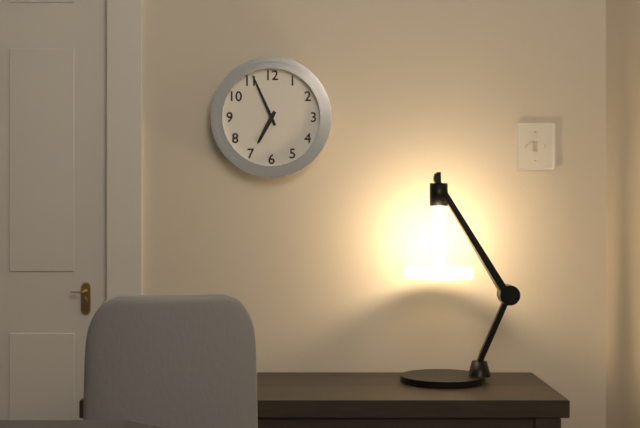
6:56
